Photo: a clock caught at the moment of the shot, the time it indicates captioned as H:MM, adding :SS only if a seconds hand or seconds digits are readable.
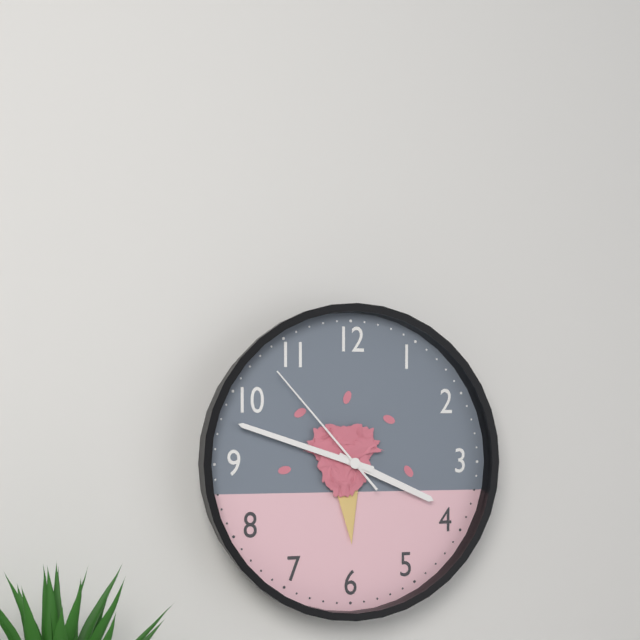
3:48:53
